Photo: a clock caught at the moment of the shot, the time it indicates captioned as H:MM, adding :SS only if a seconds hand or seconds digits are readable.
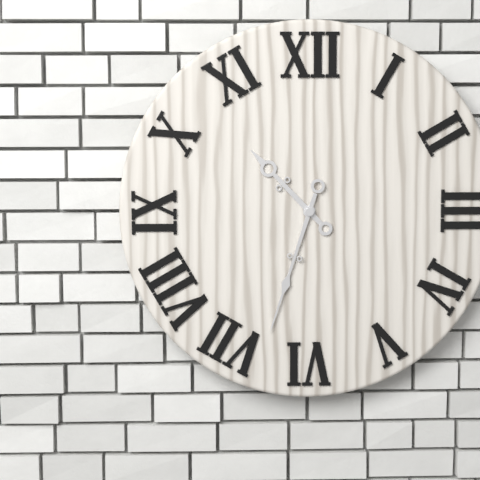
10:33
